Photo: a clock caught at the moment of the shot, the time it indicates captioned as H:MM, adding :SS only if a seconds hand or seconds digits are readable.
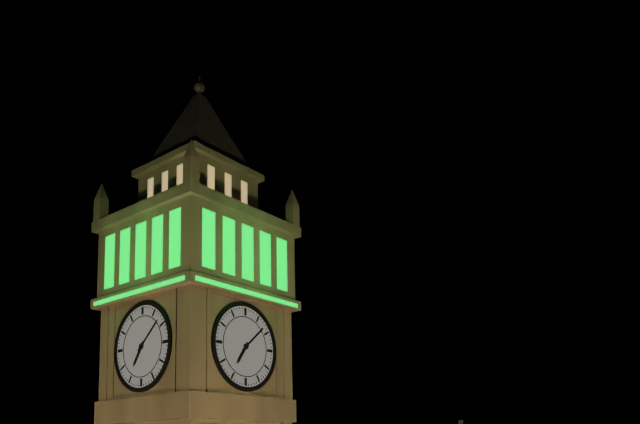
7:08
